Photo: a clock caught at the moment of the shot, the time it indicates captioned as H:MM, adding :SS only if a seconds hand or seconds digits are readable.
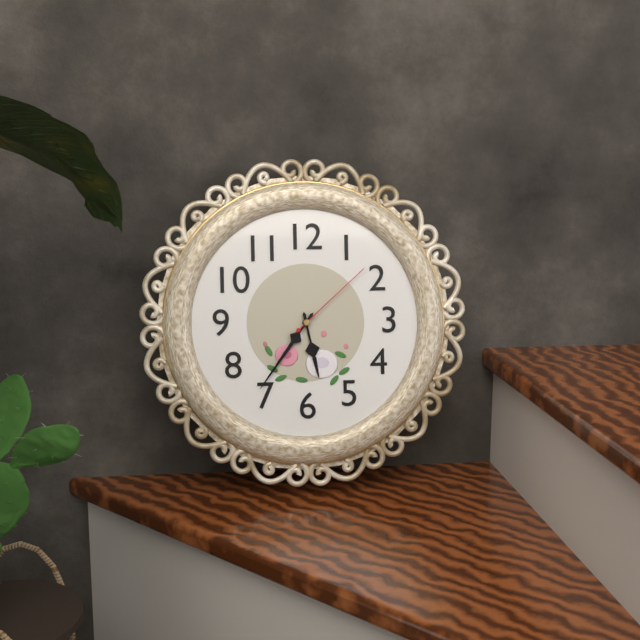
5:36:08
